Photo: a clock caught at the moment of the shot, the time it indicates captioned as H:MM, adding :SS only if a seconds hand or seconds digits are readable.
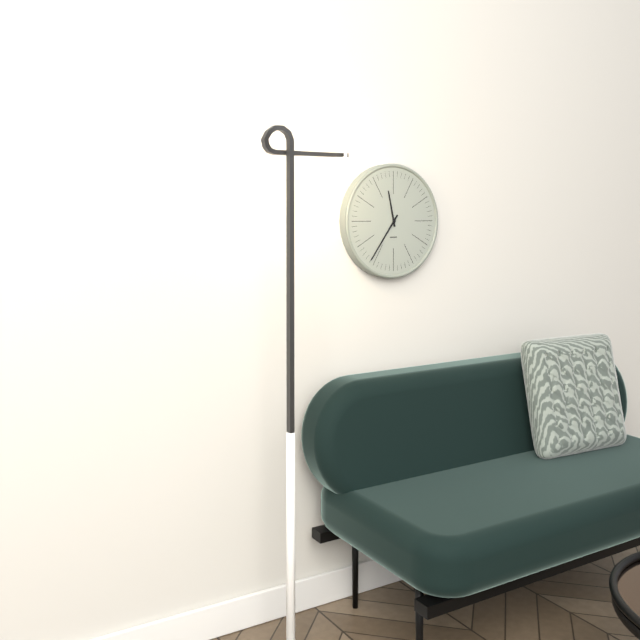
11:36
